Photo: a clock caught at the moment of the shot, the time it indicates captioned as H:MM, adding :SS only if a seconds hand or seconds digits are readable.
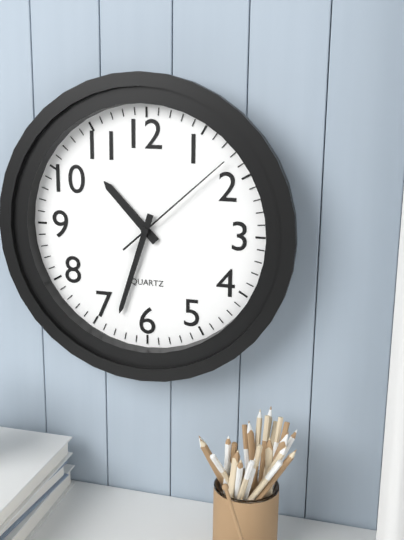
10:33:08
